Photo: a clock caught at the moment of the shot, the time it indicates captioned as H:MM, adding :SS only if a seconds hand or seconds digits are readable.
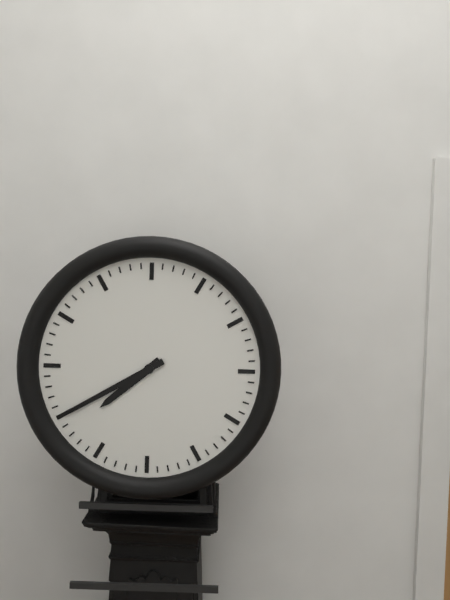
7:40
